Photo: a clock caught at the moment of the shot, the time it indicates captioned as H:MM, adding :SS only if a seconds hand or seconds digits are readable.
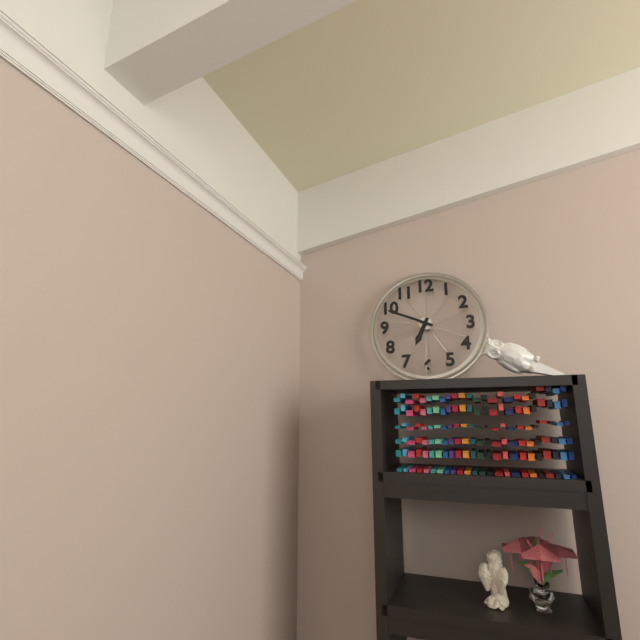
6:49
